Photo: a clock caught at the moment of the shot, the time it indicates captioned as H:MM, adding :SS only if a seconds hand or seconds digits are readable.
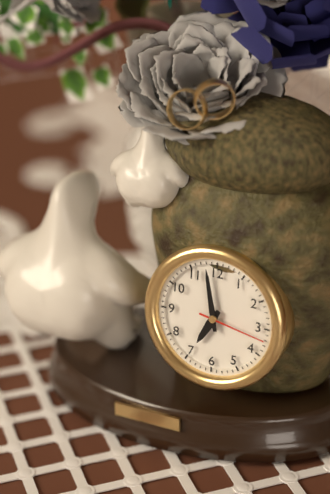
6:58:17
